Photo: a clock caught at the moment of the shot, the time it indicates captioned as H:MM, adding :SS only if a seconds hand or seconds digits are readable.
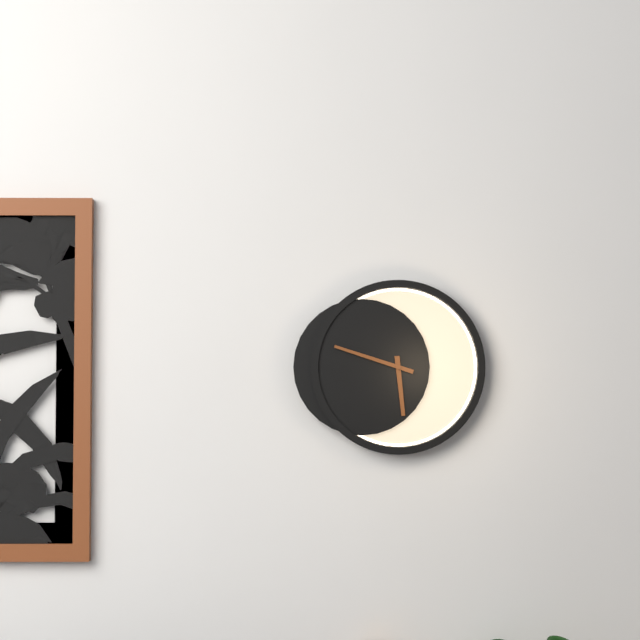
5:48
